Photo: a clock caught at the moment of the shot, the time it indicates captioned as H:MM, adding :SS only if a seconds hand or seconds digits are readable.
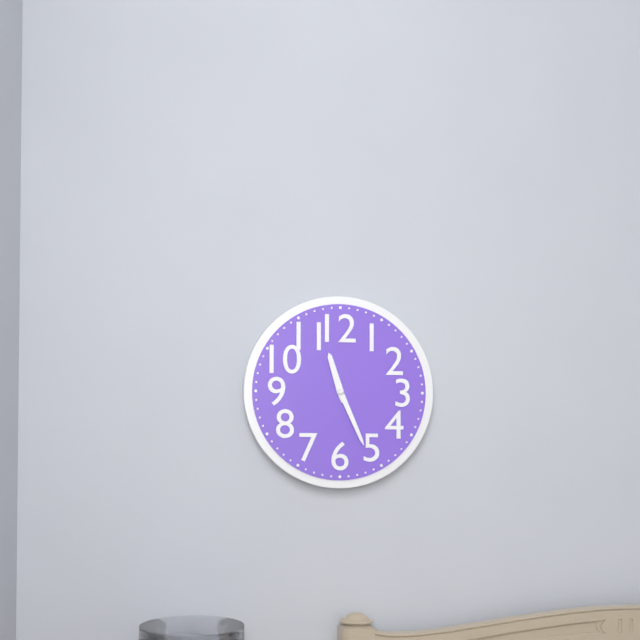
11:26
